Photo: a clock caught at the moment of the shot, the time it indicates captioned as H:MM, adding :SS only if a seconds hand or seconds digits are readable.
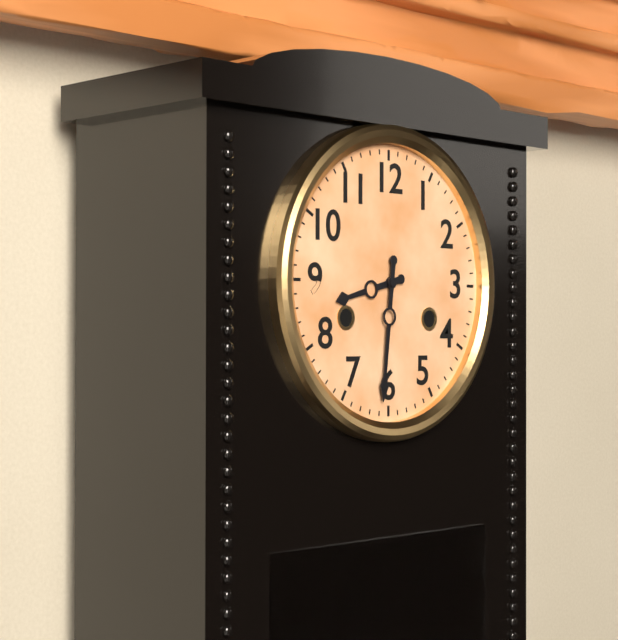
8:31
